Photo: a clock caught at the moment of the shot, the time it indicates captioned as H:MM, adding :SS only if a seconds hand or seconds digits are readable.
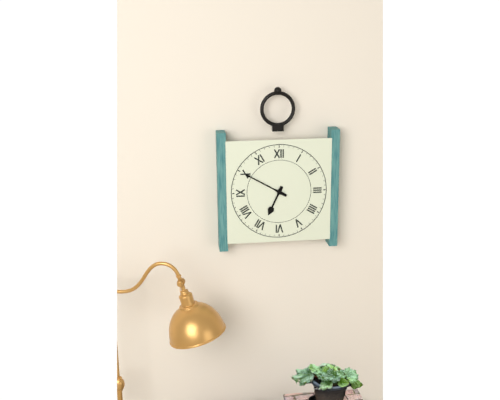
6:50
